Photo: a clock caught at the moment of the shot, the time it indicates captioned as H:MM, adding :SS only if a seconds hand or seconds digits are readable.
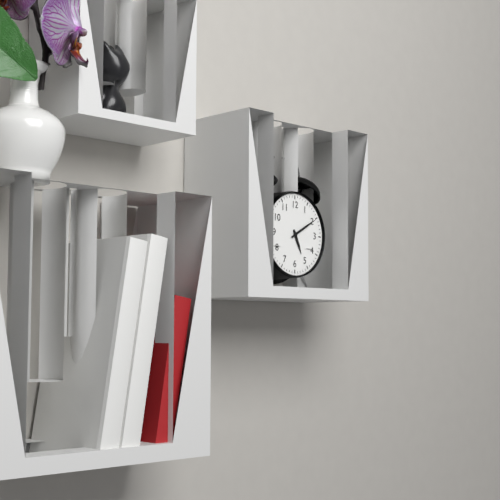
5:10
